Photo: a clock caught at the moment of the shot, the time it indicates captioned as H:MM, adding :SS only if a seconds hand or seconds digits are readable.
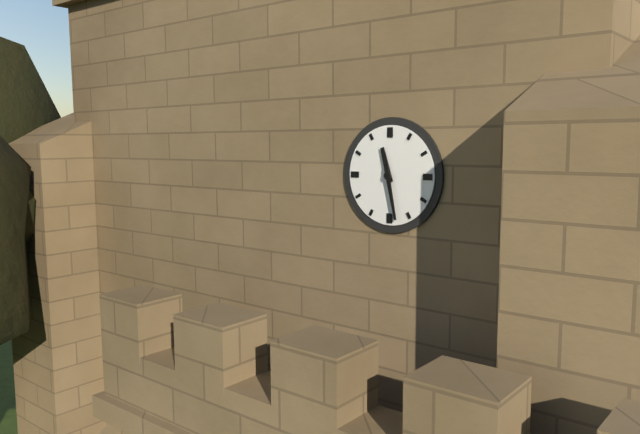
11:28
